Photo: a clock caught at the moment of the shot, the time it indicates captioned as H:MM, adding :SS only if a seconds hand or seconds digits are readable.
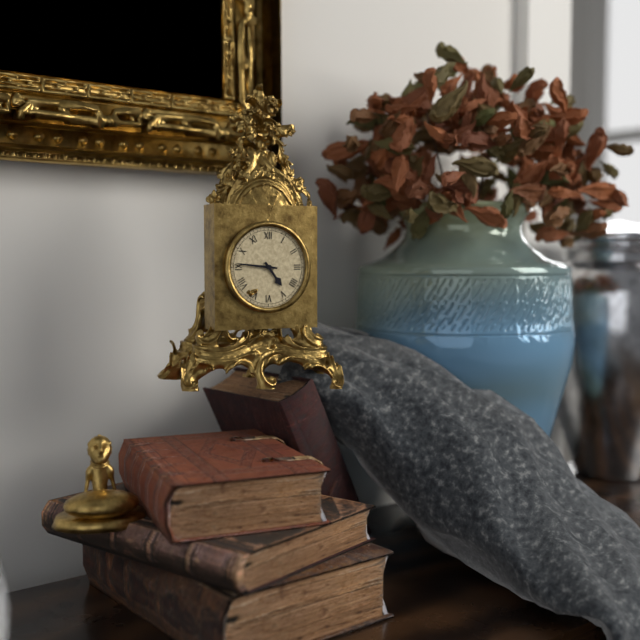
4:46
